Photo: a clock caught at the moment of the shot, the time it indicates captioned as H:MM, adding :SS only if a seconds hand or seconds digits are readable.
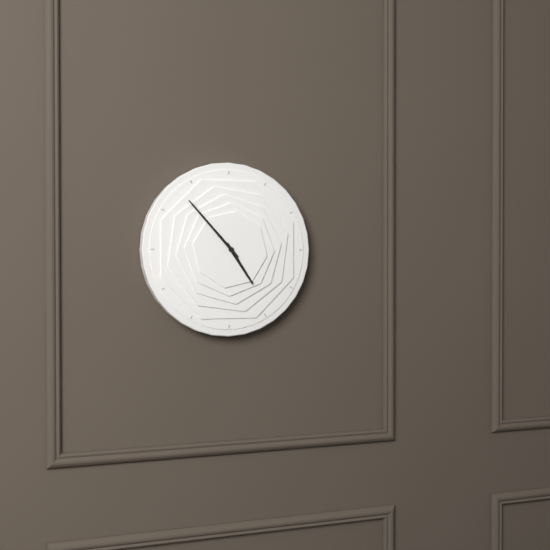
4:53
